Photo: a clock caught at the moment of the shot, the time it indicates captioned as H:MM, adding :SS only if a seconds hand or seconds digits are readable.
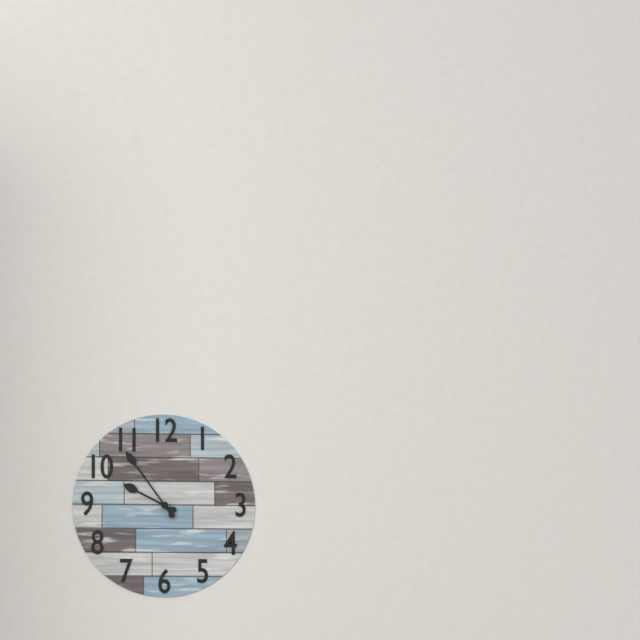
9:54
